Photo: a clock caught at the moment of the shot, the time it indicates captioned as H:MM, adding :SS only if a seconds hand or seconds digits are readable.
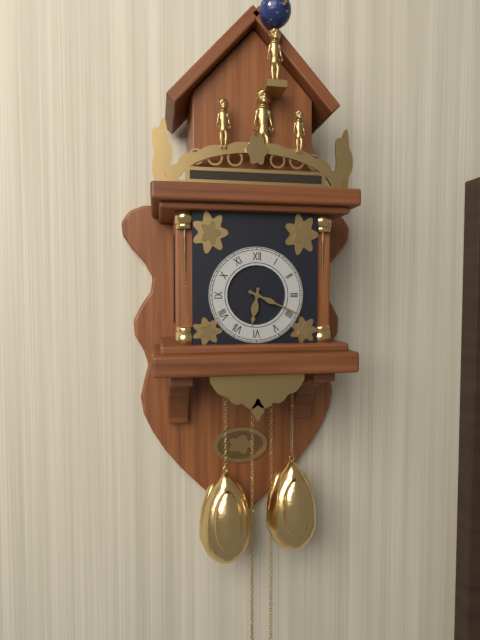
6:19
